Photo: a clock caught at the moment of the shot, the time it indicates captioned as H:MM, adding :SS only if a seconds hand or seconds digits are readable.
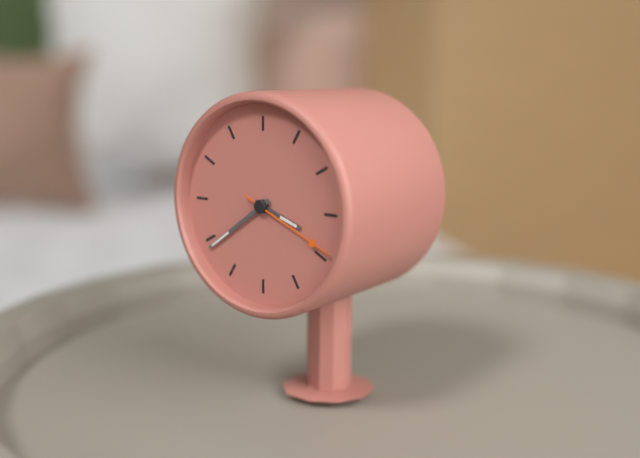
3:39:19
